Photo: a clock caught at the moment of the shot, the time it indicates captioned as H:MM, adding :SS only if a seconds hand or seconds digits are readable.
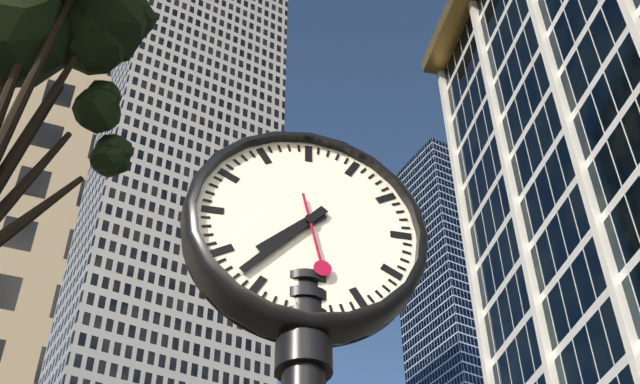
7:37:28
